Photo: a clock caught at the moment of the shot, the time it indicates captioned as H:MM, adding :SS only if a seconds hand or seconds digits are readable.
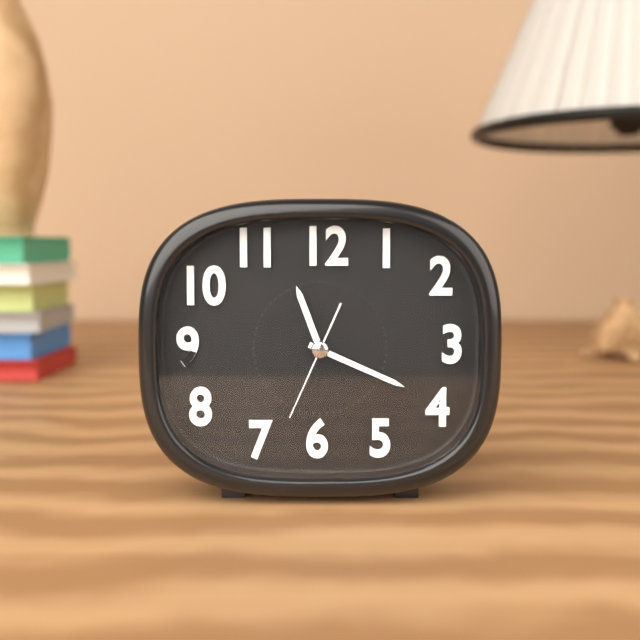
11:19:34
